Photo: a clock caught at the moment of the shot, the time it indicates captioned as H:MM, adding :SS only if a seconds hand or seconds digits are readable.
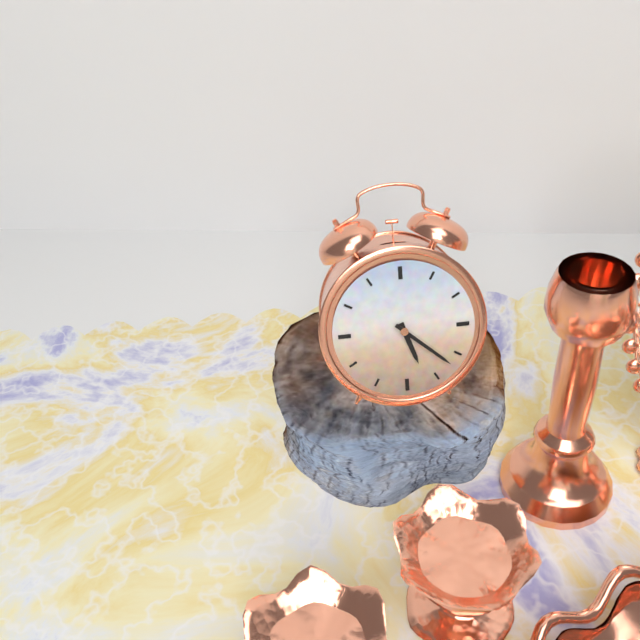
5:22
